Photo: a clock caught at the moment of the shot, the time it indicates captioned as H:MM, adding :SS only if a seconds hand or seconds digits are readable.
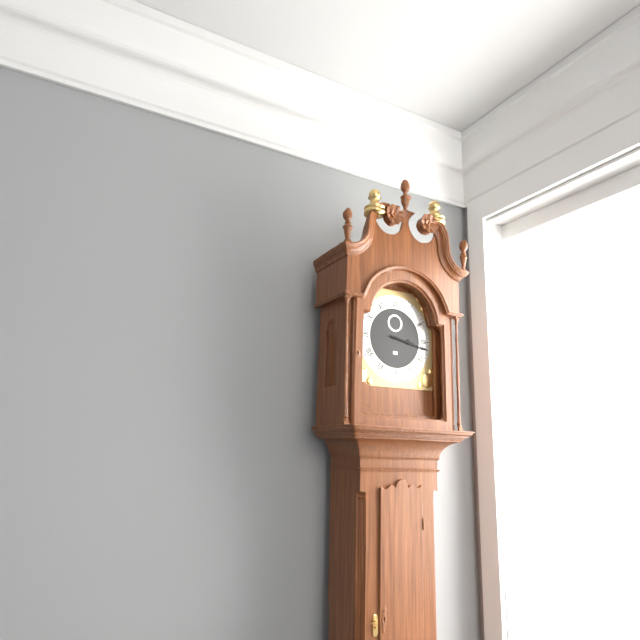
3:17
